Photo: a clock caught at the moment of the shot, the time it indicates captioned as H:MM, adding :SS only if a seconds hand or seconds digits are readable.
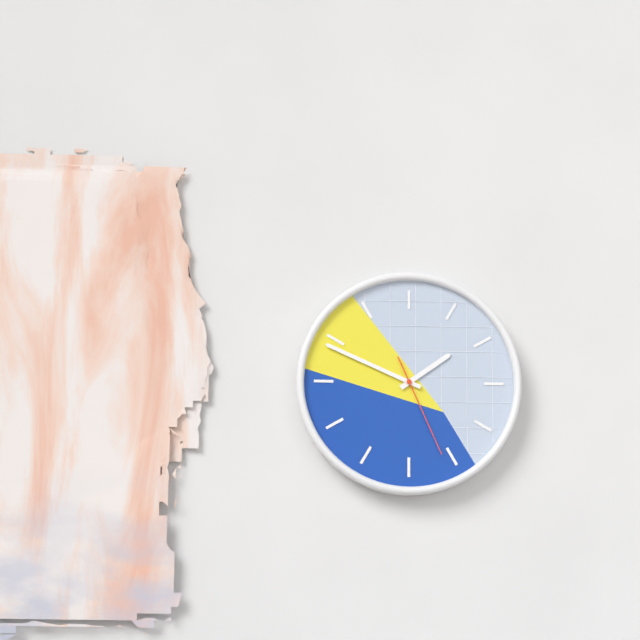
1:49:26
